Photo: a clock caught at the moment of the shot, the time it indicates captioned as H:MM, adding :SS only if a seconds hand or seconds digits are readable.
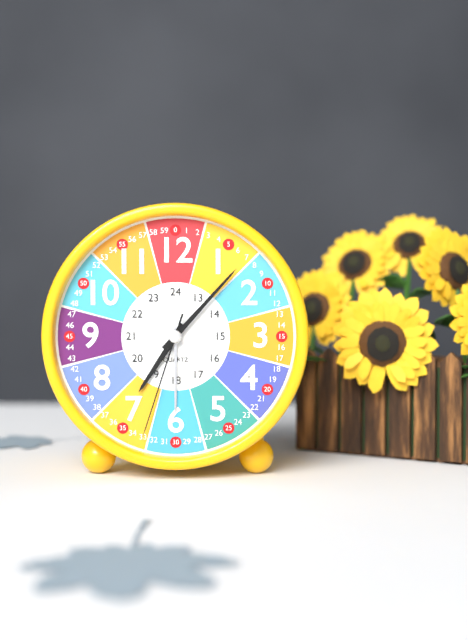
7:07:33
